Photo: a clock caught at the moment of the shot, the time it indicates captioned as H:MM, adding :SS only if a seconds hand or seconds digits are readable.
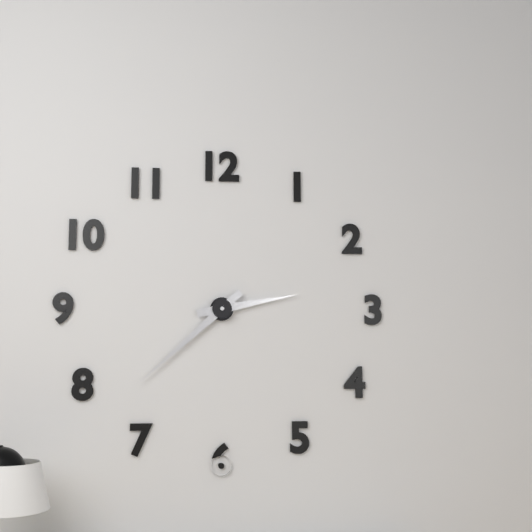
2:38
